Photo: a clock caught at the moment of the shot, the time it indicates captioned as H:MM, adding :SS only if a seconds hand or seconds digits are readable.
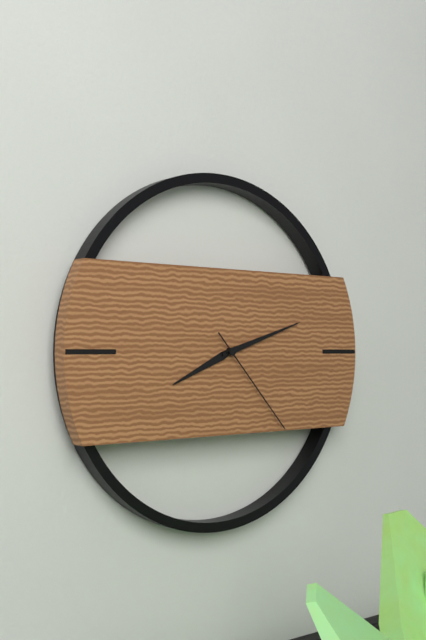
8:12:23
